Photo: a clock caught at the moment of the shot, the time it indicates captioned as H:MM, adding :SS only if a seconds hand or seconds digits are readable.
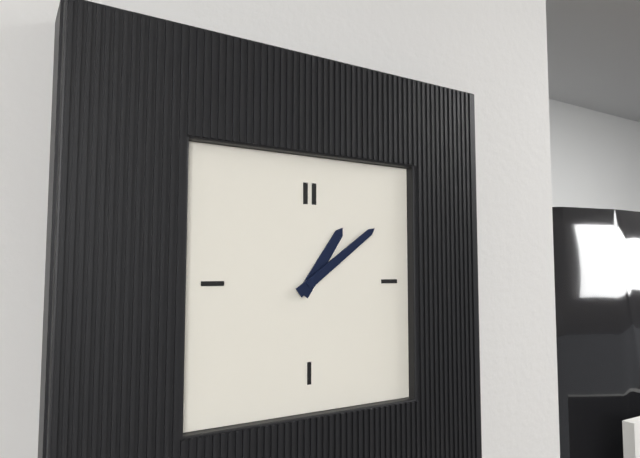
1:09
